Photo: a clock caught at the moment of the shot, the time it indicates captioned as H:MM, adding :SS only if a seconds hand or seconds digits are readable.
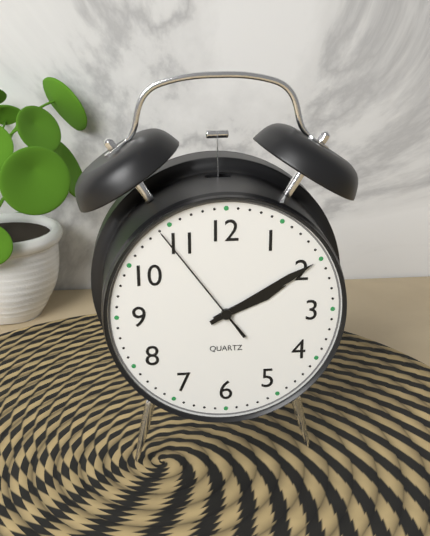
2:10:54
